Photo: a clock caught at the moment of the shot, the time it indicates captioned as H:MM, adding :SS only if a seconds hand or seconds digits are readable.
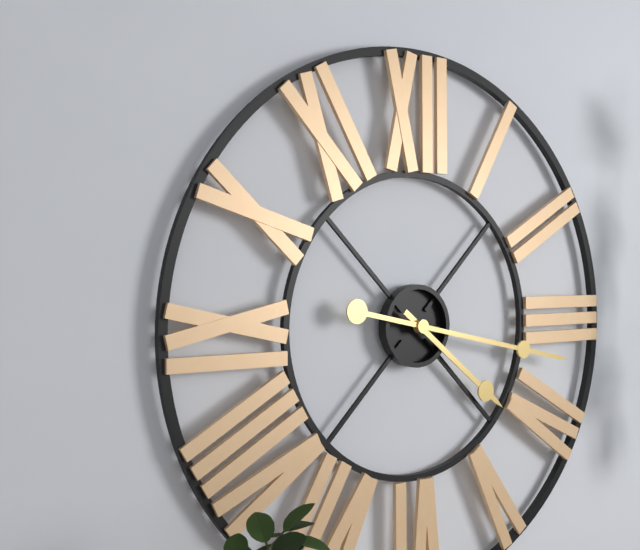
4:17
